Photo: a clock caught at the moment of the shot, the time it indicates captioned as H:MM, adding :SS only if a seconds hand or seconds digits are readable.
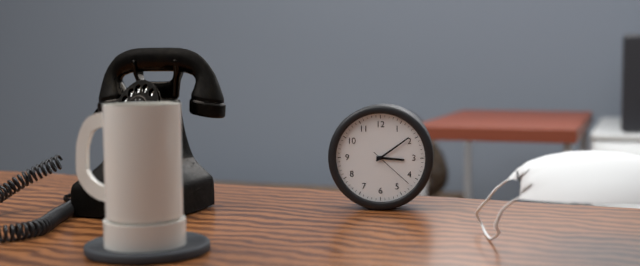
3:09
